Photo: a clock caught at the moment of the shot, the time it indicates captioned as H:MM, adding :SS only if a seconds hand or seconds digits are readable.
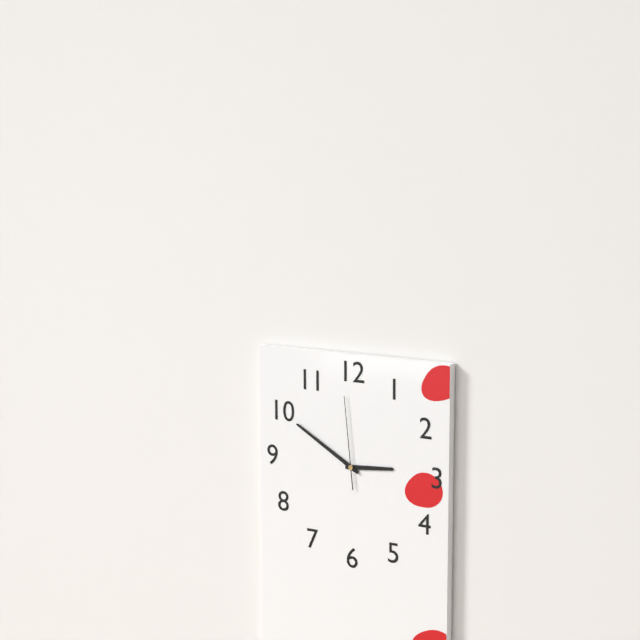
2:50:59
